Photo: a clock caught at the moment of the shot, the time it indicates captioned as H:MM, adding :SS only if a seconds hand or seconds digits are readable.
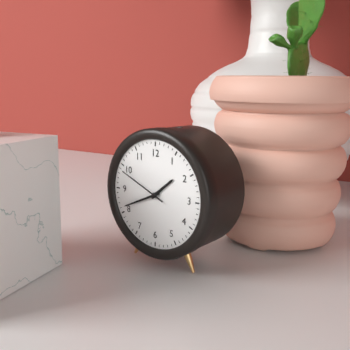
1:41
